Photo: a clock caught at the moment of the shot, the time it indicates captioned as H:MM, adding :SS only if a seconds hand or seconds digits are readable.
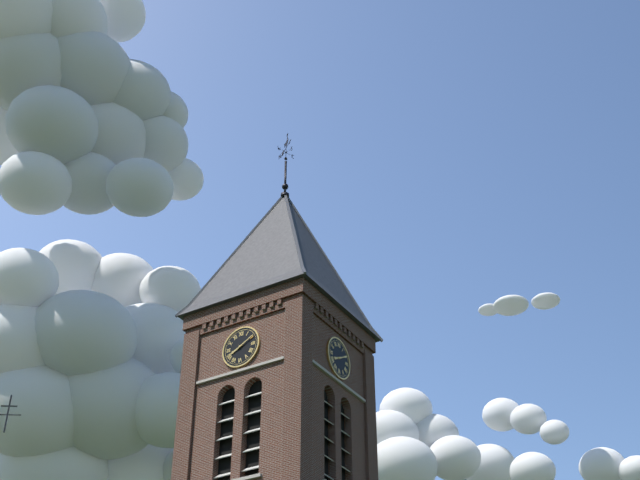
8:10
